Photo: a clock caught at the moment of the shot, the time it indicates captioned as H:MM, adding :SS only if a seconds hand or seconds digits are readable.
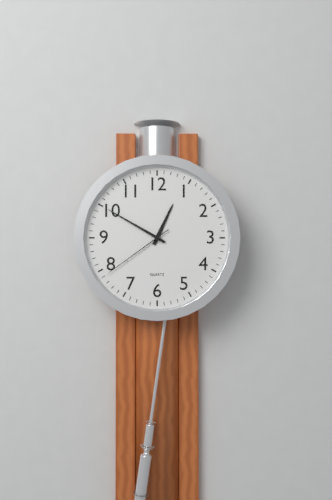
12:50:39
